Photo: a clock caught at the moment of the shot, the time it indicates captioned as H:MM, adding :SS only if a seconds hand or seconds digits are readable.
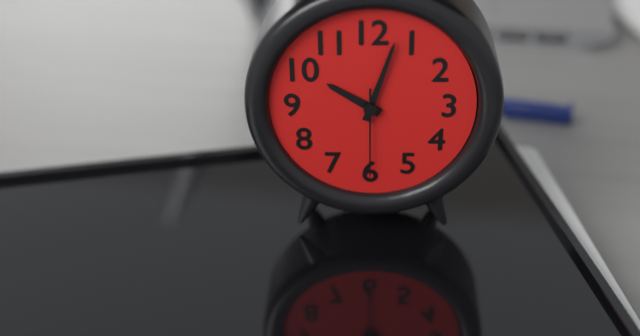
10:03:30
